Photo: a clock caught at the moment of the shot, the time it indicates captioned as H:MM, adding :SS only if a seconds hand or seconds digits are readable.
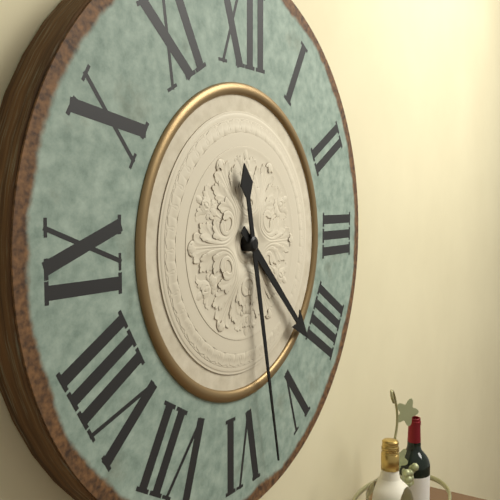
4:28
